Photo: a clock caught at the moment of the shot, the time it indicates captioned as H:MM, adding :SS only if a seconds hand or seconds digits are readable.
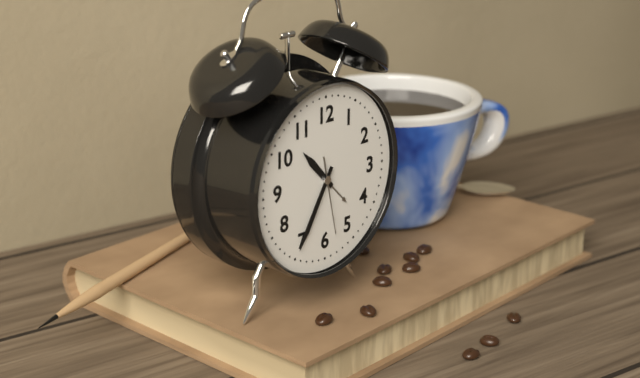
10:35:28
